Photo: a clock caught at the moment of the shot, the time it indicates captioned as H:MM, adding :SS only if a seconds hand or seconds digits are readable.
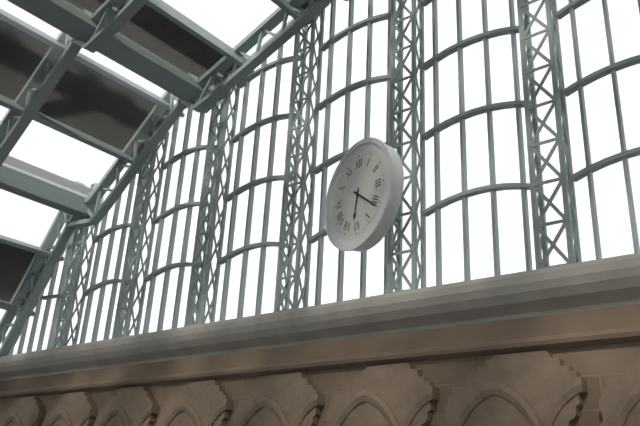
6:21
